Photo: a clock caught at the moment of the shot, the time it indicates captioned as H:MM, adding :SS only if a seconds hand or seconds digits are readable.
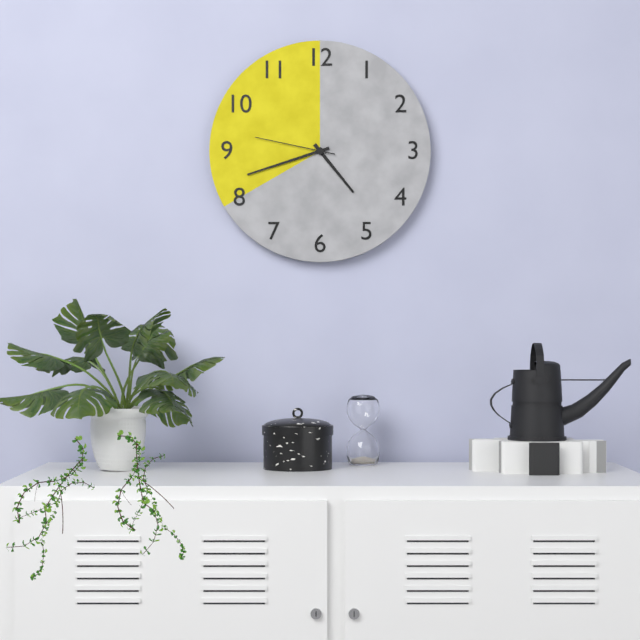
4:42:47
